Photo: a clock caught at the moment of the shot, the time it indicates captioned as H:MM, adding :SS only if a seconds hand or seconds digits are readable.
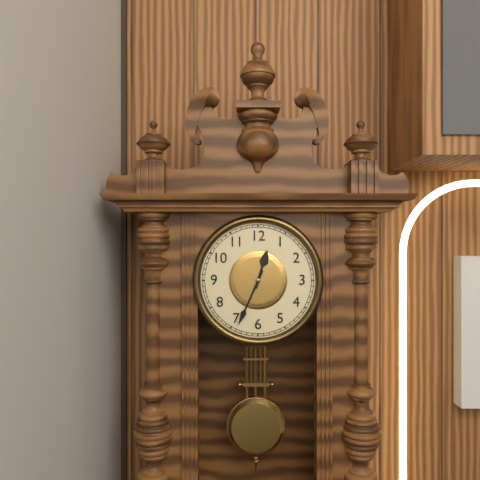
12:34
